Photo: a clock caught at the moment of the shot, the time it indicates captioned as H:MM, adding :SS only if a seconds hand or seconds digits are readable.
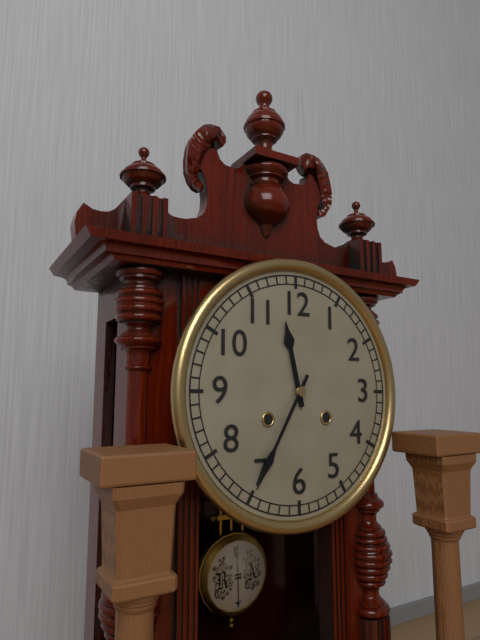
11:35
